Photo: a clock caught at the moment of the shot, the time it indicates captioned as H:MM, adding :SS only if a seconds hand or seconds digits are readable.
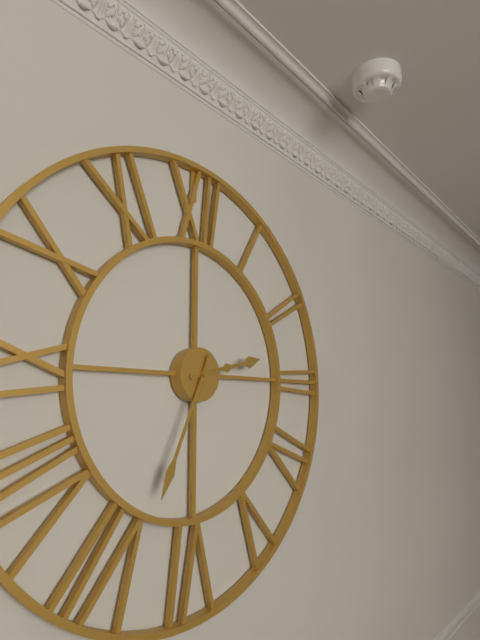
2:34
